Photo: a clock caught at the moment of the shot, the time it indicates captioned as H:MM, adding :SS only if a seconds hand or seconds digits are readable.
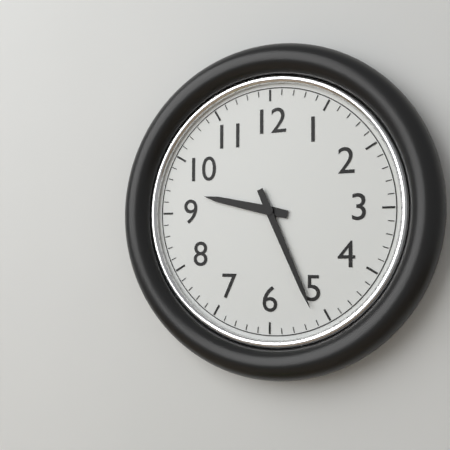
9:26
